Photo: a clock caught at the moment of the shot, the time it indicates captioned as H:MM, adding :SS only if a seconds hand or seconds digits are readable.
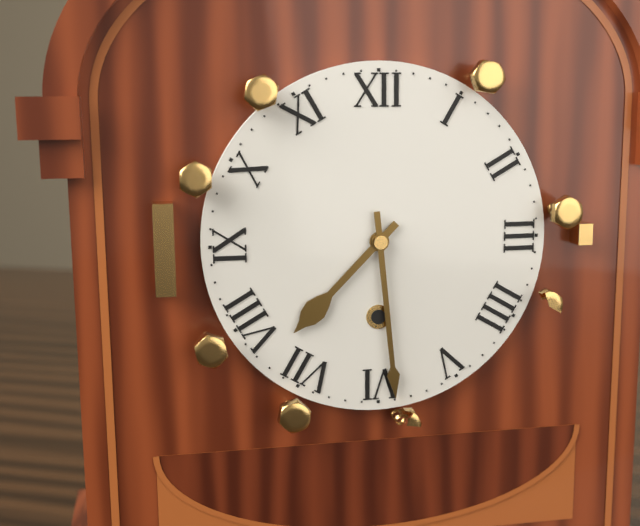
7:29
